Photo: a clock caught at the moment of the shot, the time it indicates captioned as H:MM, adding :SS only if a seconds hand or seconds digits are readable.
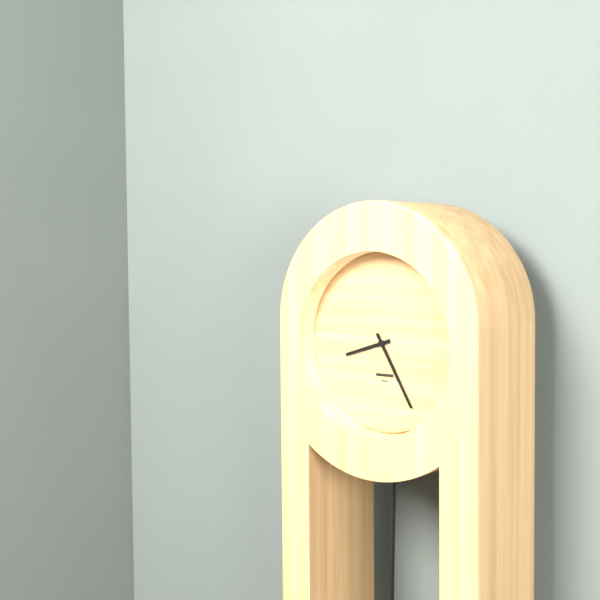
8:25
